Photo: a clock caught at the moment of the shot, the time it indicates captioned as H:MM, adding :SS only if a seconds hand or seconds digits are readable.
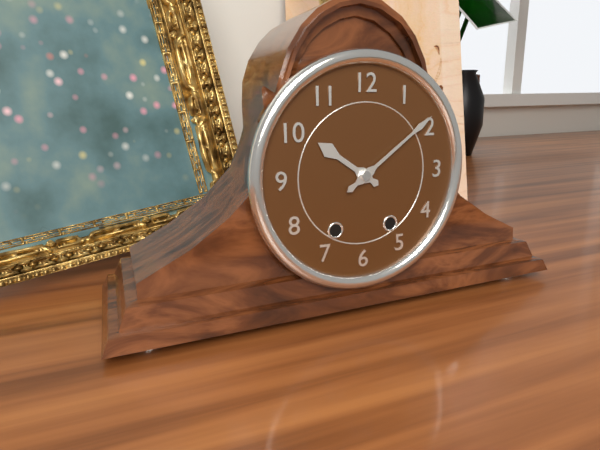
10:09
